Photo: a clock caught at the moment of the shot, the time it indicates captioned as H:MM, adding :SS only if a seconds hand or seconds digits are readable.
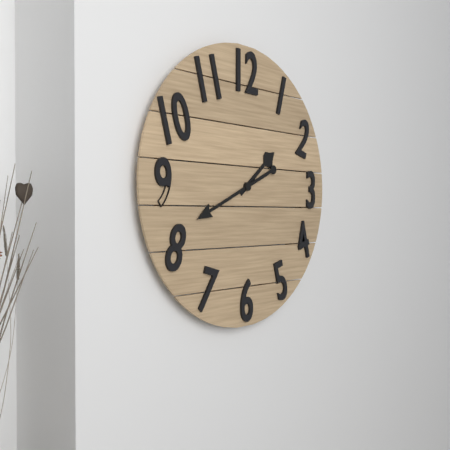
1:41
